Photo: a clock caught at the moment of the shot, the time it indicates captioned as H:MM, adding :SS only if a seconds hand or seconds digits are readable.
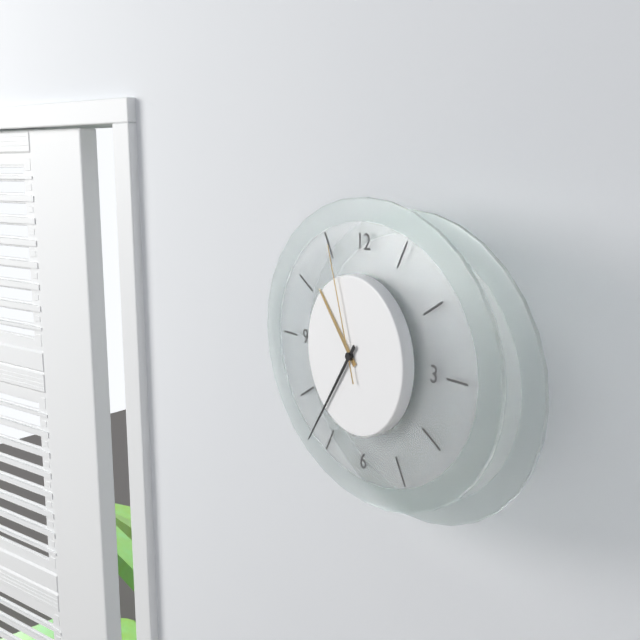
10:36:57
